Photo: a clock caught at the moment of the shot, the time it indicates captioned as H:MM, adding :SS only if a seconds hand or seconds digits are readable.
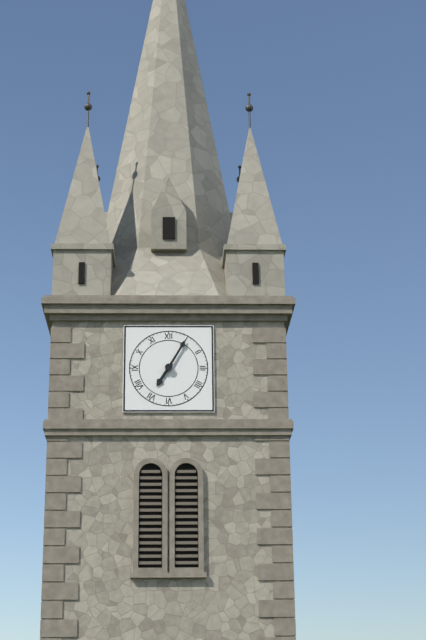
7:05
